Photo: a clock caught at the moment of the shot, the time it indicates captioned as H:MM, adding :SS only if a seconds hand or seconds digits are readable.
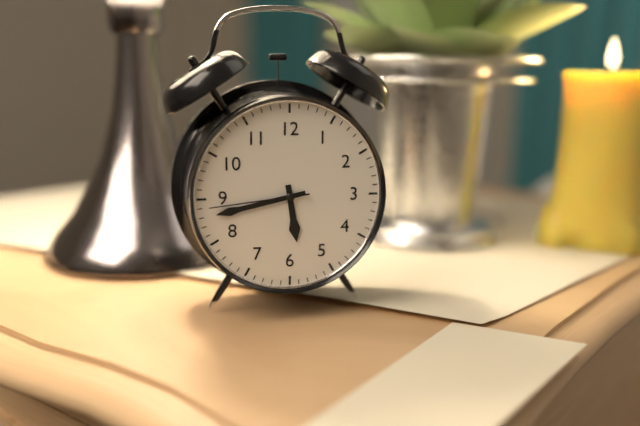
5:43:44
